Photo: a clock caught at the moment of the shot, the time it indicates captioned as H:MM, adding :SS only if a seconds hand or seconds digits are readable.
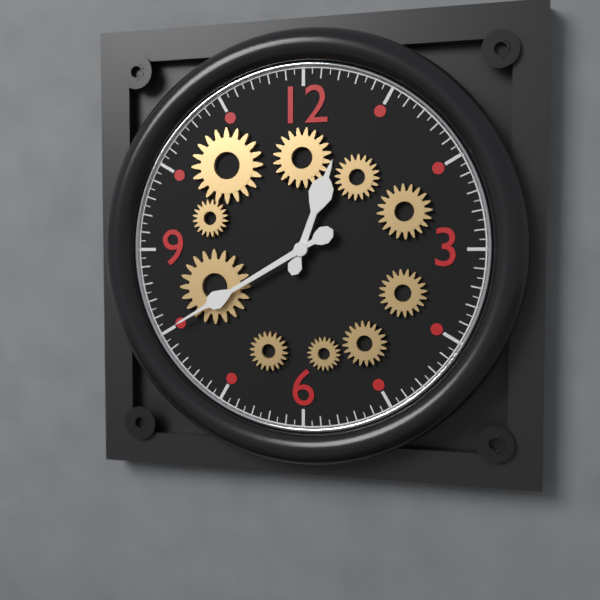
12:40
